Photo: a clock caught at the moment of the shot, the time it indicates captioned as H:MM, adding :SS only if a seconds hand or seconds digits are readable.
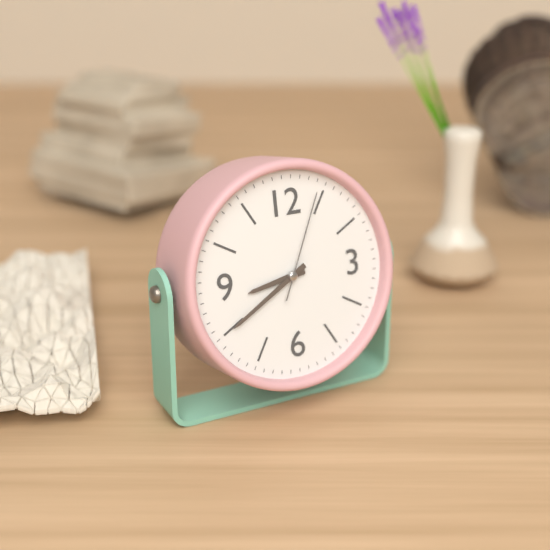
8:40:04
